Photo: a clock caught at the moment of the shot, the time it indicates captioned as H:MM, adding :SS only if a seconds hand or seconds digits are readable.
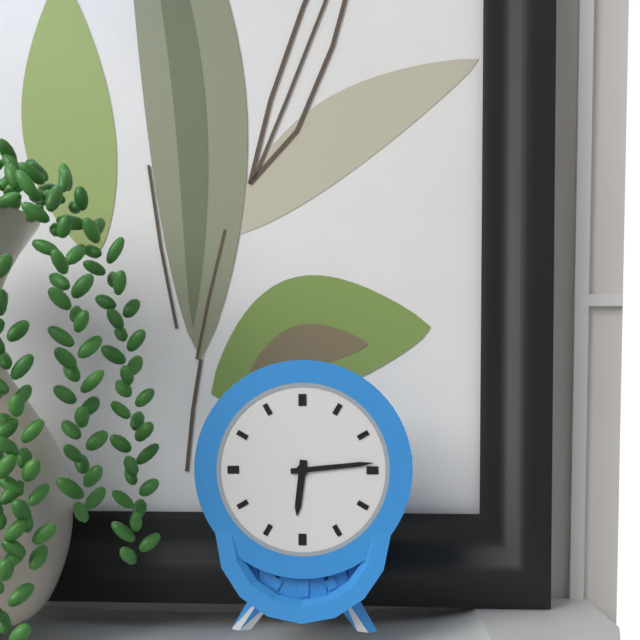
6:14
